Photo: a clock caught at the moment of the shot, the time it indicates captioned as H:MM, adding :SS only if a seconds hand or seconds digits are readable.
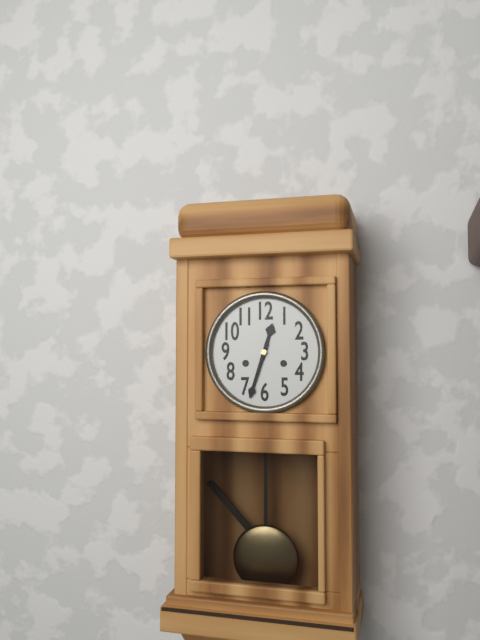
12:33
